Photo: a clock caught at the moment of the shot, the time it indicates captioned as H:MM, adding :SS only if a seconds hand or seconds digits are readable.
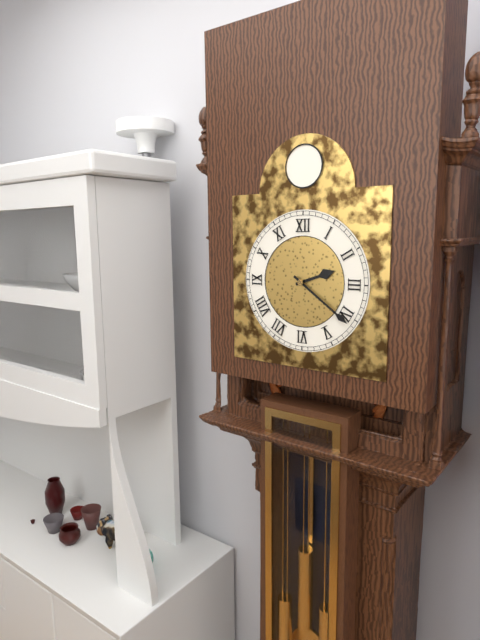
2:21
